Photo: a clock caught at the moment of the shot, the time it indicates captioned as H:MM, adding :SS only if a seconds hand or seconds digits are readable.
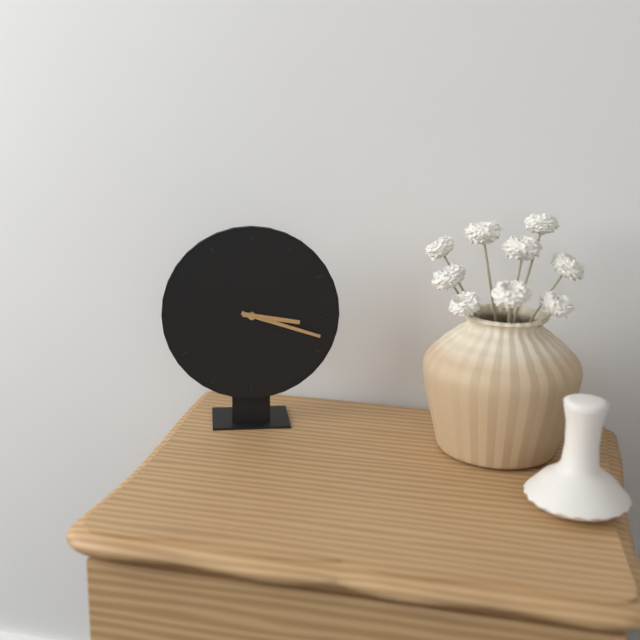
3:18
